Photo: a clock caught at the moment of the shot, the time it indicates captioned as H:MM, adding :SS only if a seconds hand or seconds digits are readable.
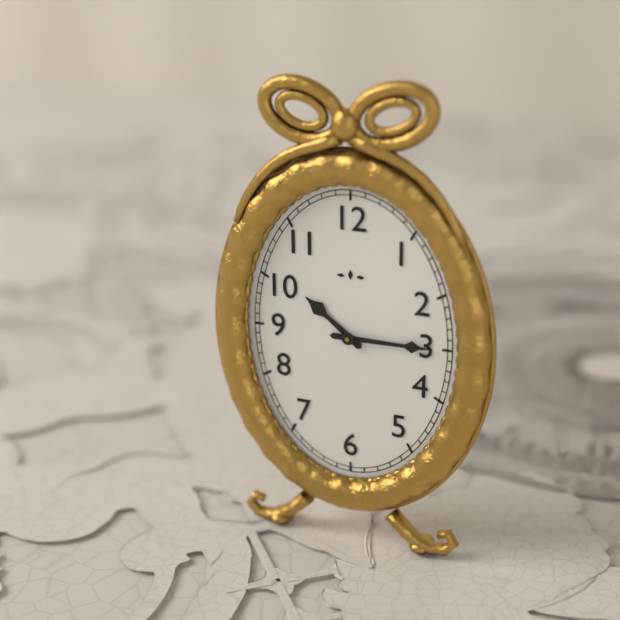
10:15
